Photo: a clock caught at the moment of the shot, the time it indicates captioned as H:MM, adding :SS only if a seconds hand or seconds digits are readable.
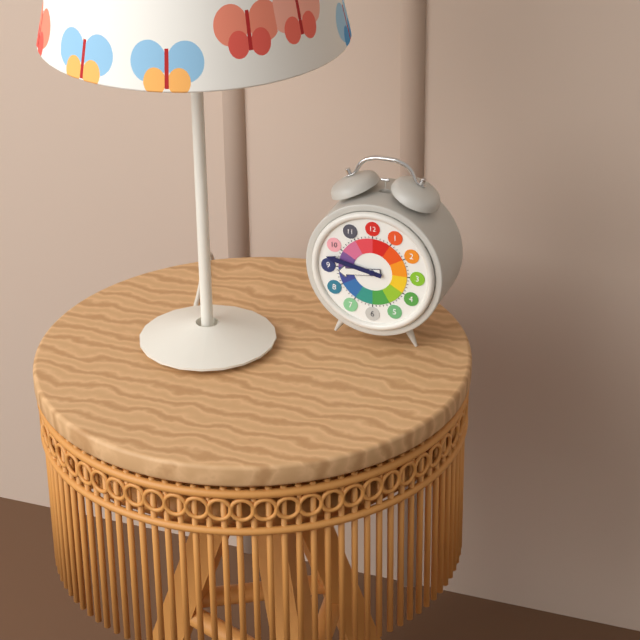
8:47
